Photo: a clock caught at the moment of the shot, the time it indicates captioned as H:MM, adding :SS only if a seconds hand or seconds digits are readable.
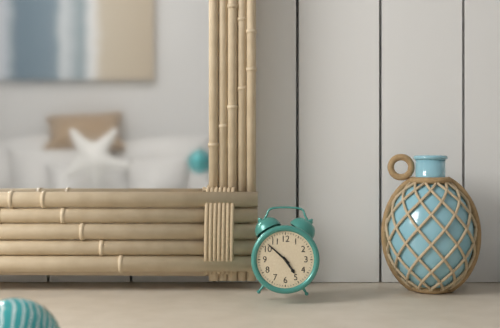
4:52
